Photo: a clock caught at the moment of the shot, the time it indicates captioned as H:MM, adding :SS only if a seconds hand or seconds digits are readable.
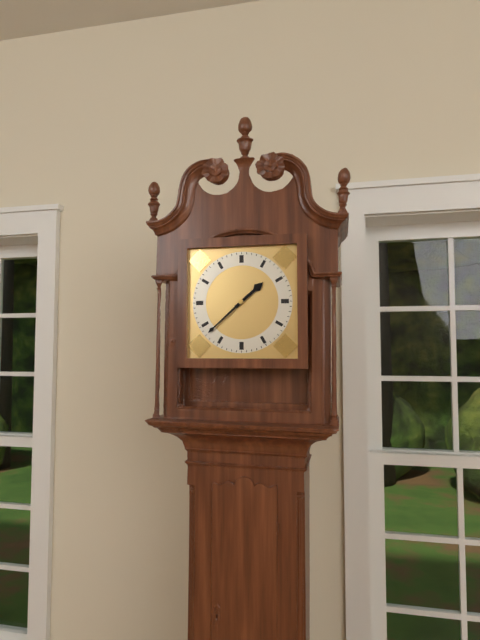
1:38
